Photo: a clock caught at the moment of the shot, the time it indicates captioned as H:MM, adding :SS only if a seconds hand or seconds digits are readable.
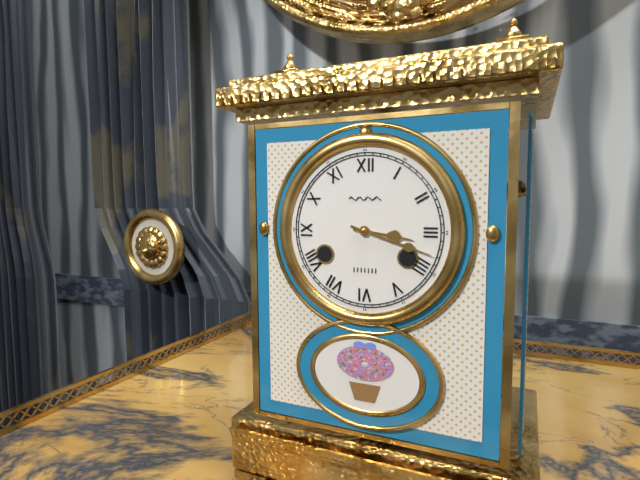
3:18
